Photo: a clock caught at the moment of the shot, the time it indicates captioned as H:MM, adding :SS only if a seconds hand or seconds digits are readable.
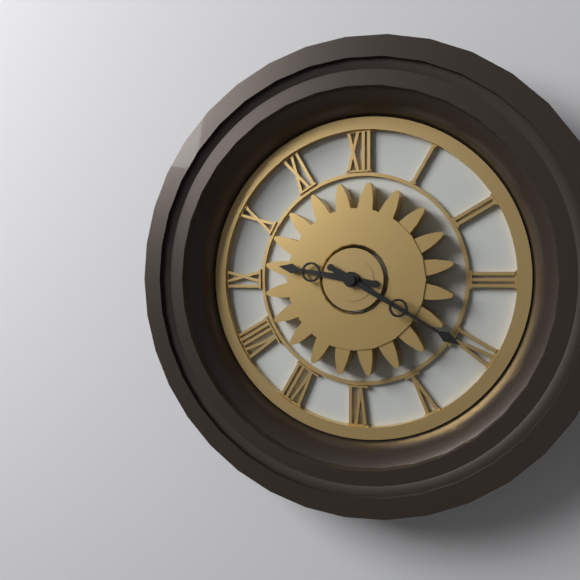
9:20
